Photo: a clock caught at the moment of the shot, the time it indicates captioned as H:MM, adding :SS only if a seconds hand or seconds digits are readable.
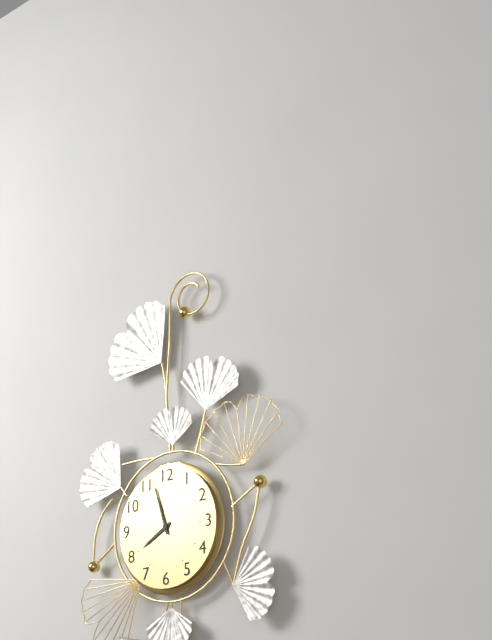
7:57
